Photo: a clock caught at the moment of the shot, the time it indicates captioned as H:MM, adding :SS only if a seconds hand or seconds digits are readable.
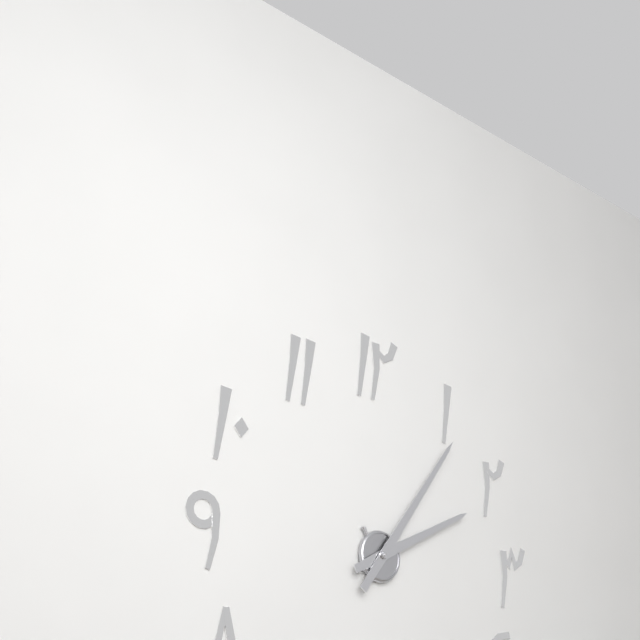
2:06
